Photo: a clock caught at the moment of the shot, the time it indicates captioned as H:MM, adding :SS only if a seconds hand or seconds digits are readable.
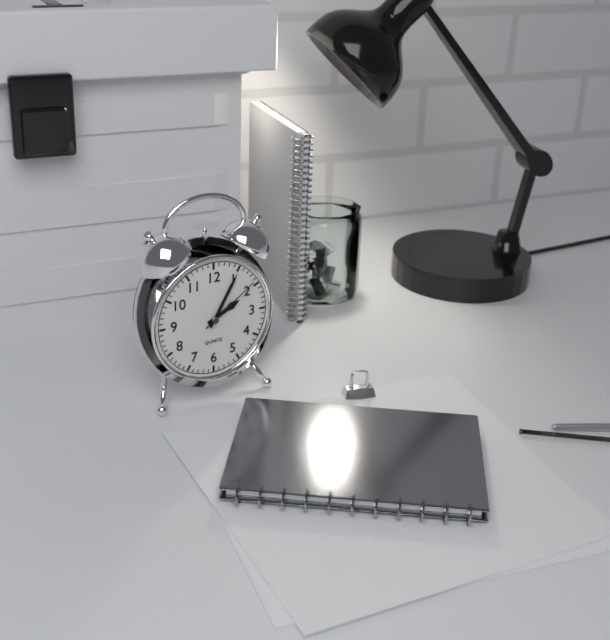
2:05:09
